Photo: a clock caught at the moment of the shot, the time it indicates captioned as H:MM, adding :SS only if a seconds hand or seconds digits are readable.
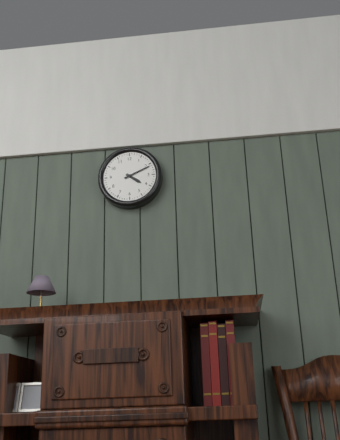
4:11
